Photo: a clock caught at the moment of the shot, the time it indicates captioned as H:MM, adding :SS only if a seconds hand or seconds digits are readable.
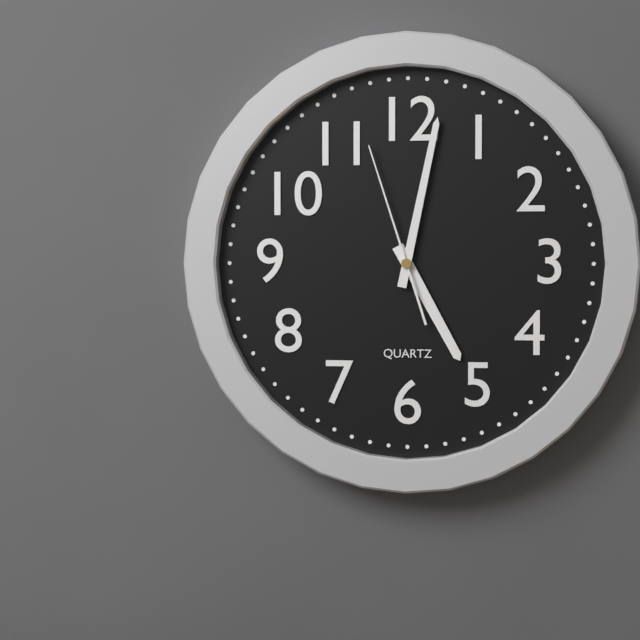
5:02:57
